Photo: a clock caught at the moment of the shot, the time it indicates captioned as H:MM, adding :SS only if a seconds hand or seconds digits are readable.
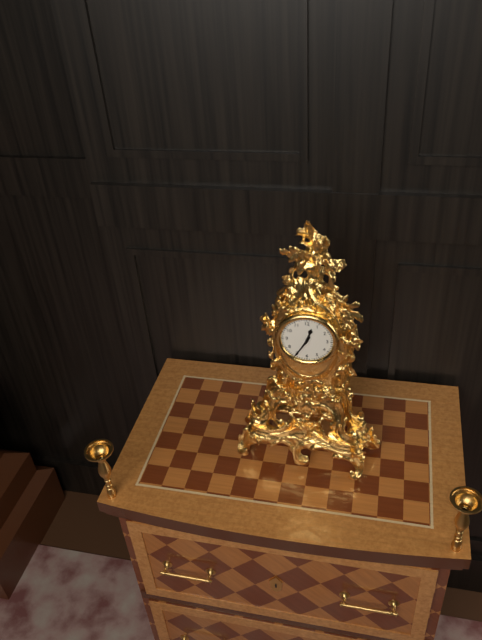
12:35
